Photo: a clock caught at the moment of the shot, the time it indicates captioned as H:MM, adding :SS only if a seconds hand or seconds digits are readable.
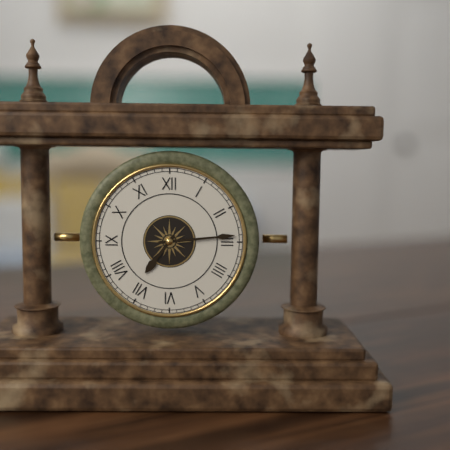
7:14
